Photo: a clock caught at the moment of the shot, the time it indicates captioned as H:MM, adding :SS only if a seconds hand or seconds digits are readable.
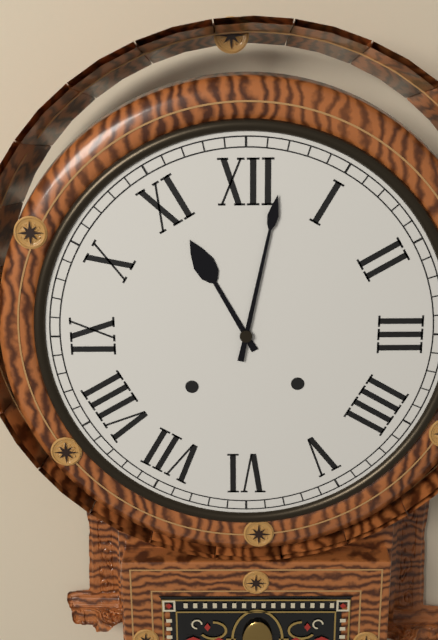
11:02
